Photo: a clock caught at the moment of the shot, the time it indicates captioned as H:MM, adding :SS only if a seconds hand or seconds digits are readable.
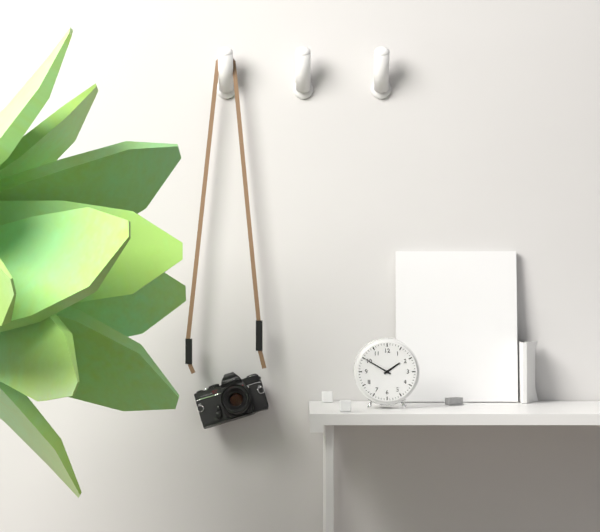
1:50
